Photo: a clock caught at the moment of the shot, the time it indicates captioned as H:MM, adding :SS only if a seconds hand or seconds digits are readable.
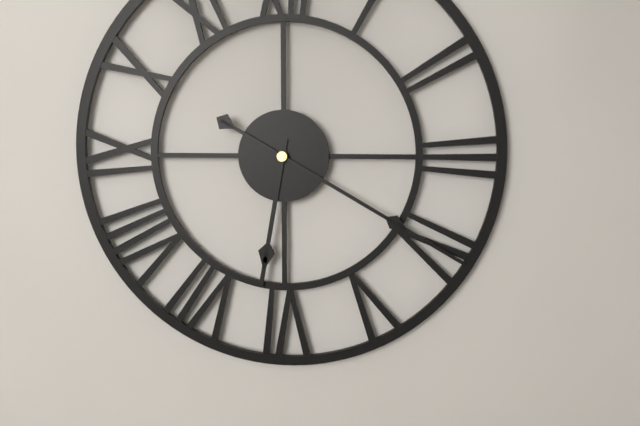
6:20
